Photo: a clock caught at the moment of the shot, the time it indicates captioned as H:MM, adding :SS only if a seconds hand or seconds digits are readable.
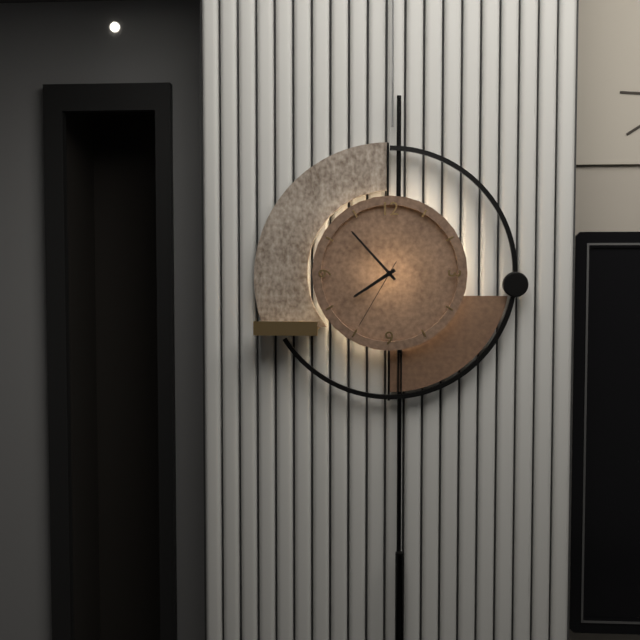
7:53:35
